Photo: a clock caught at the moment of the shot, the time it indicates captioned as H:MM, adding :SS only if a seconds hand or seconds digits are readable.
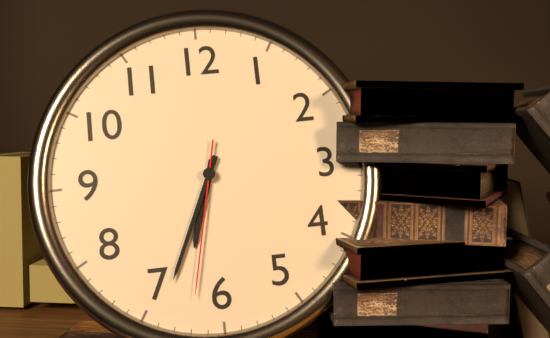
6:34:32
